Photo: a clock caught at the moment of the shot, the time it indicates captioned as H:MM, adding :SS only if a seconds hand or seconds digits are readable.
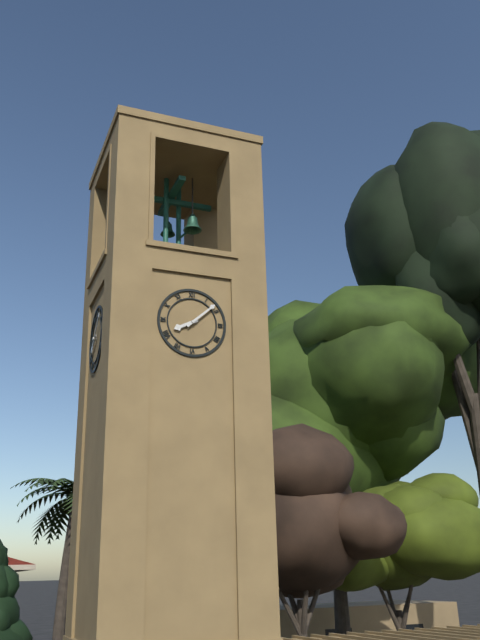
8:08
